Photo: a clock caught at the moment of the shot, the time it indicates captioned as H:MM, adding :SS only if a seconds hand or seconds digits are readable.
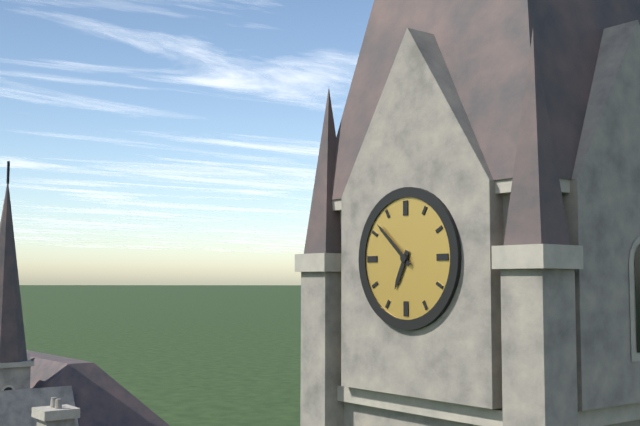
6:52
